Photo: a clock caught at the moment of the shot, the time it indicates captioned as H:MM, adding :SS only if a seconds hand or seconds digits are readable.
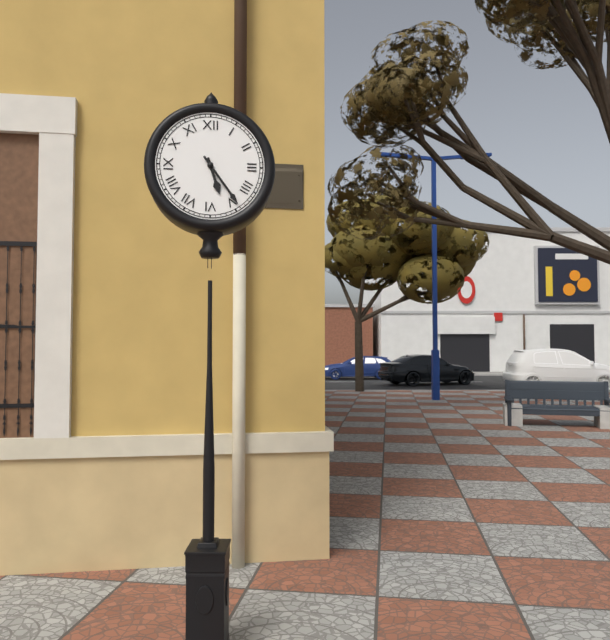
5:24
